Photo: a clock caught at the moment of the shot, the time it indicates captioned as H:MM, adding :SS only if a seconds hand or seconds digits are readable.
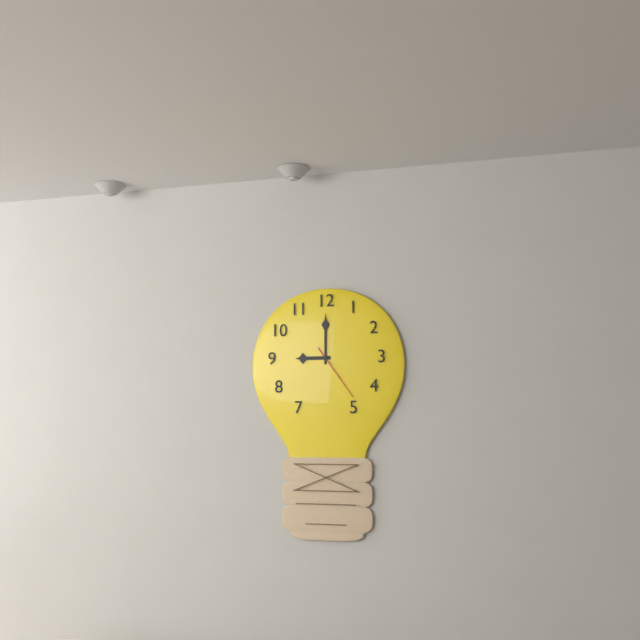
9:00:24
